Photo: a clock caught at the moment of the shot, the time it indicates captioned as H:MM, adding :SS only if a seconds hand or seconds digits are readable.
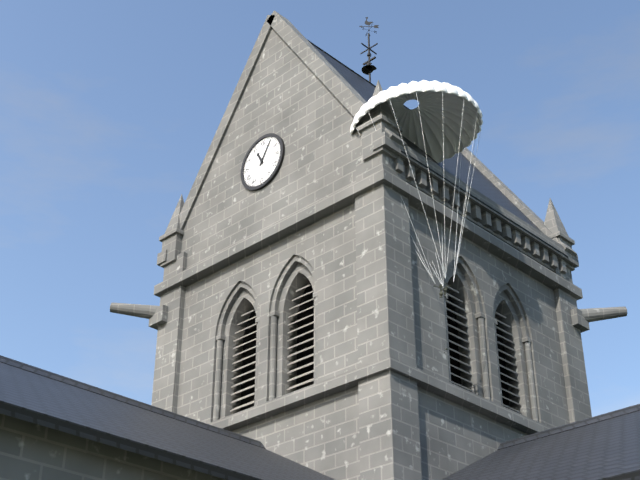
11:05
